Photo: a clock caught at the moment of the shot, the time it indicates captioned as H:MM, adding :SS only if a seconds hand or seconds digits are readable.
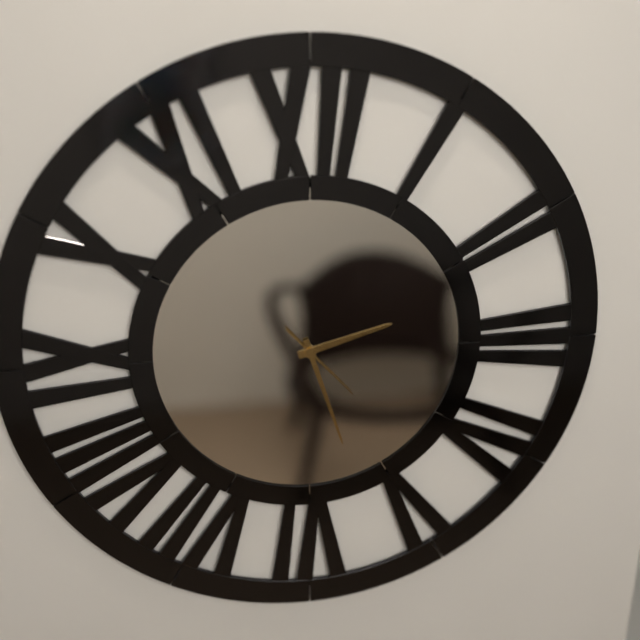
2:27:23
